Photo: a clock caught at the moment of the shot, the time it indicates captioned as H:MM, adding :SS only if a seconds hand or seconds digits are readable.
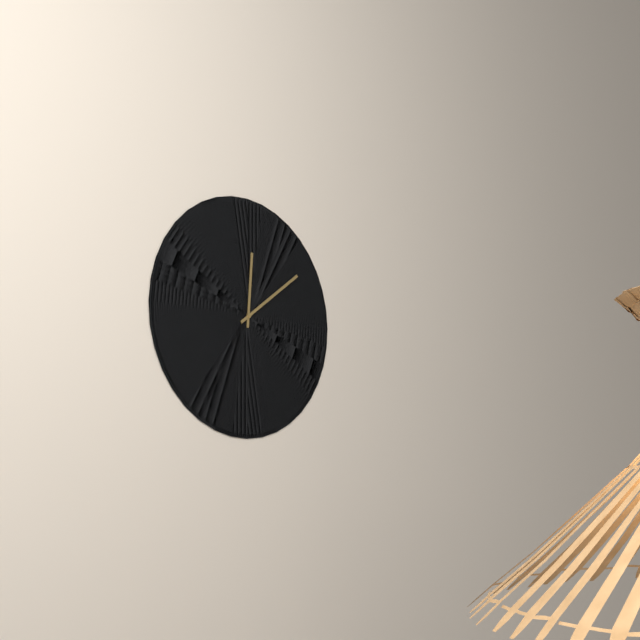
12:09
